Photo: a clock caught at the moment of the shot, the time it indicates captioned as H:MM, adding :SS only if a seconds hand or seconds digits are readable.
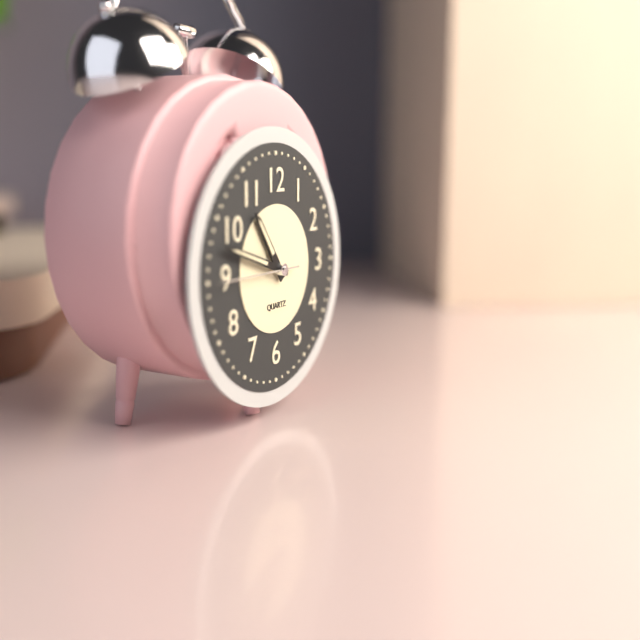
10:48:45
